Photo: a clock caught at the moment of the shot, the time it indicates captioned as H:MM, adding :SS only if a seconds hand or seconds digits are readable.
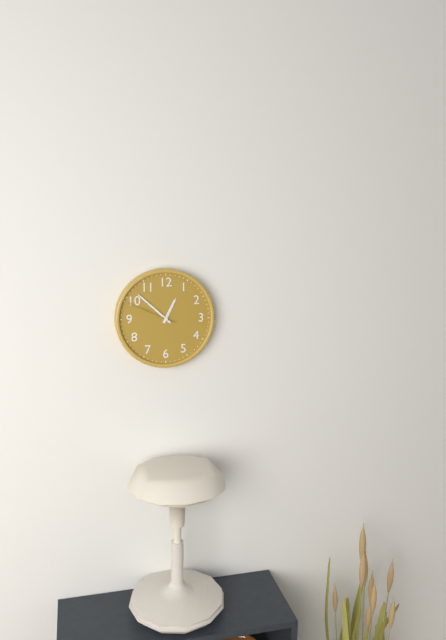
12:52:49
